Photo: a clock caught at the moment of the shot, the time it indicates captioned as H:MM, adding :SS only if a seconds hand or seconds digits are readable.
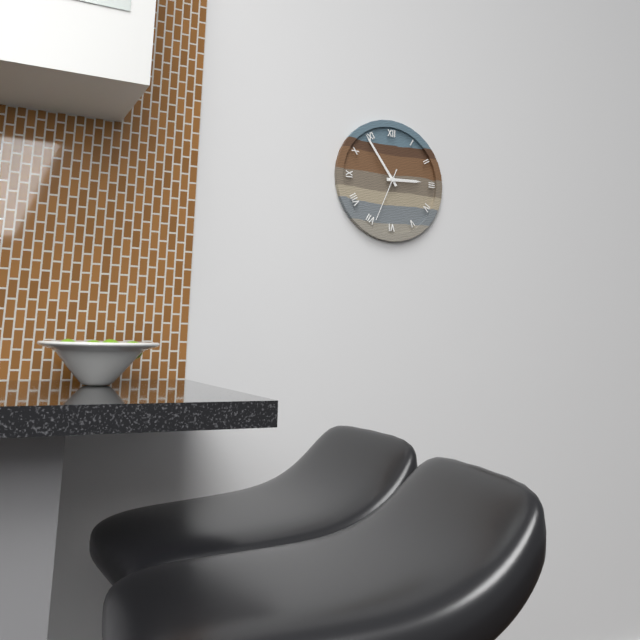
2:54:34
